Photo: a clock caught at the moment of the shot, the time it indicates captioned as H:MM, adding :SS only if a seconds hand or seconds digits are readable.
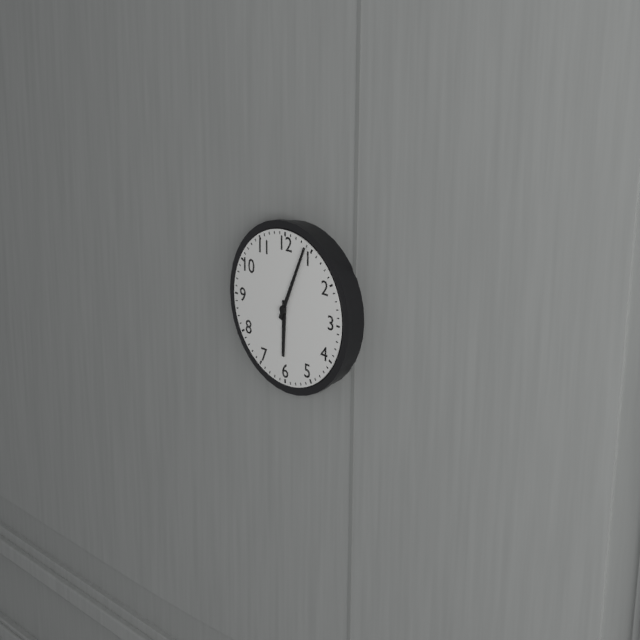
6:04
